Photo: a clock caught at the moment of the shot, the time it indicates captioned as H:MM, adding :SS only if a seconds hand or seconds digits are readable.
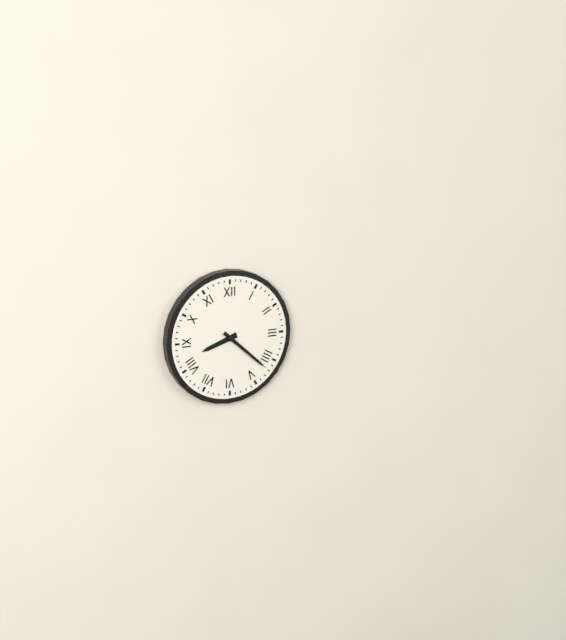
8:22
